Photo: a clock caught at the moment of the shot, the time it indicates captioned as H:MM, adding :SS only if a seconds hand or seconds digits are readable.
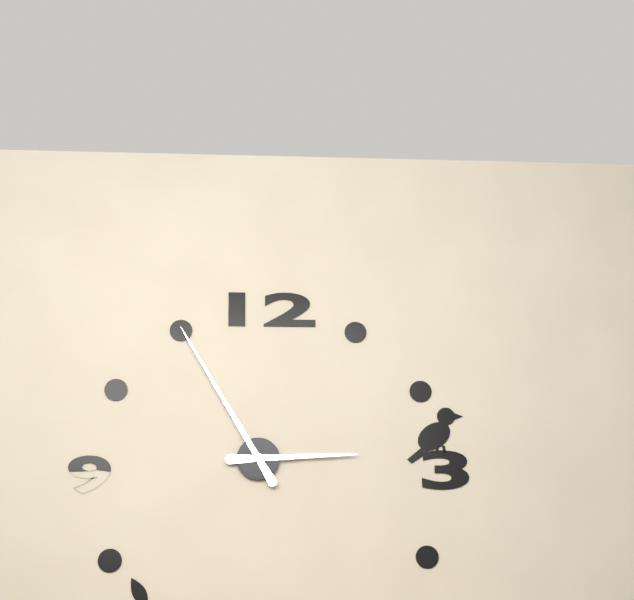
2:55
